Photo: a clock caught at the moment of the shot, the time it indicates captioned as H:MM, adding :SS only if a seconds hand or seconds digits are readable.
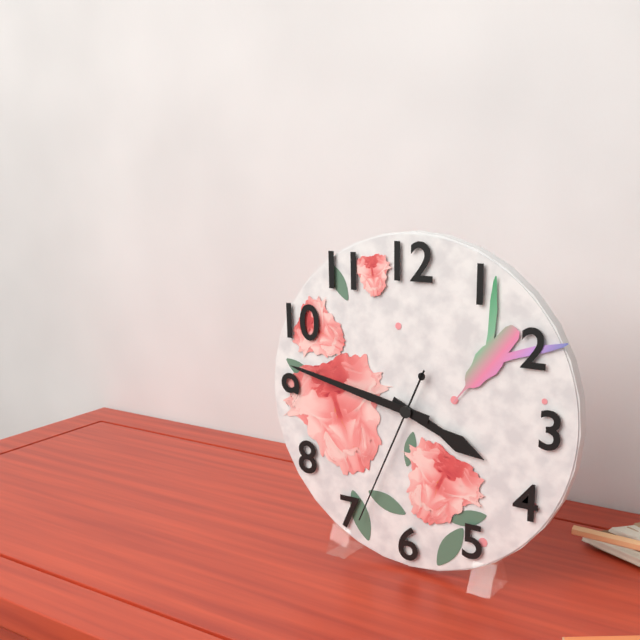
3:47:34
